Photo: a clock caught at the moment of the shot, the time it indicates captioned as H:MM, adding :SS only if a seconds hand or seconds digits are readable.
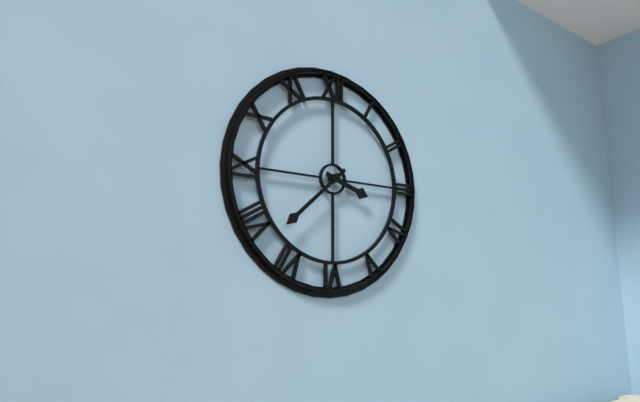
3:38
